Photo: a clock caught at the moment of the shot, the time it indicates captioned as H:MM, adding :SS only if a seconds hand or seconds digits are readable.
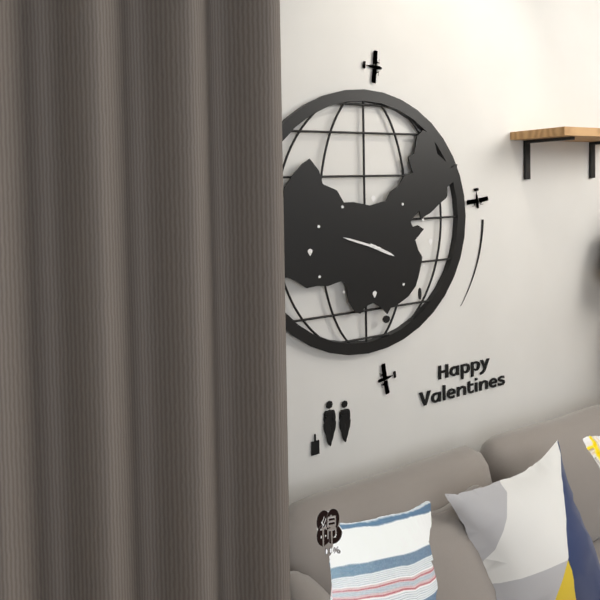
3:48
